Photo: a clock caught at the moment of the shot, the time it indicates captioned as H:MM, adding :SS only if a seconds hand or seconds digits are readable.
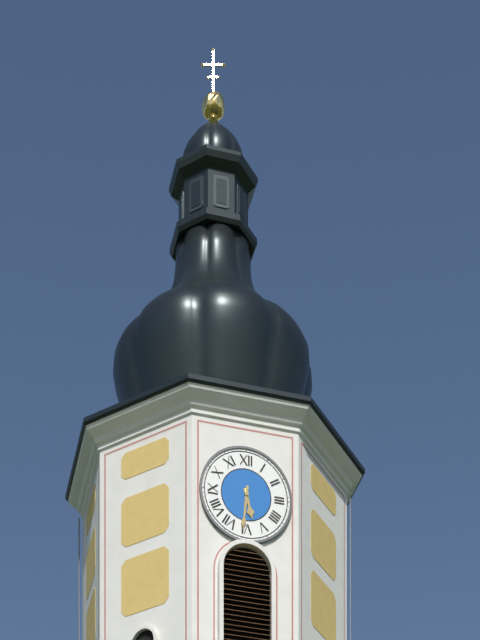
5:31
